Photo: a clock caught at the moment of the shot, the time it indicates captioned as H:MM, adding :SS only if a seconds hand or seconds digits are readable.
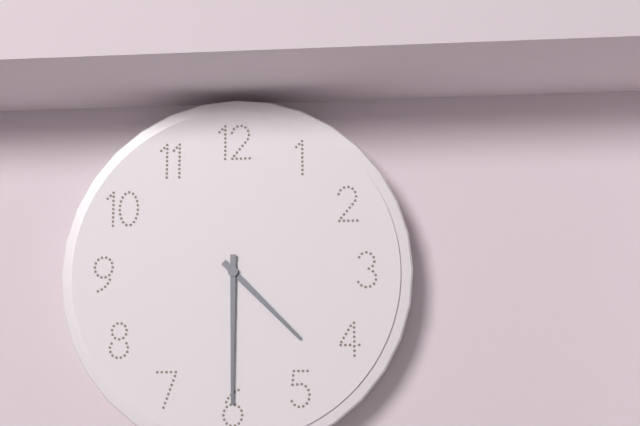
4:30
